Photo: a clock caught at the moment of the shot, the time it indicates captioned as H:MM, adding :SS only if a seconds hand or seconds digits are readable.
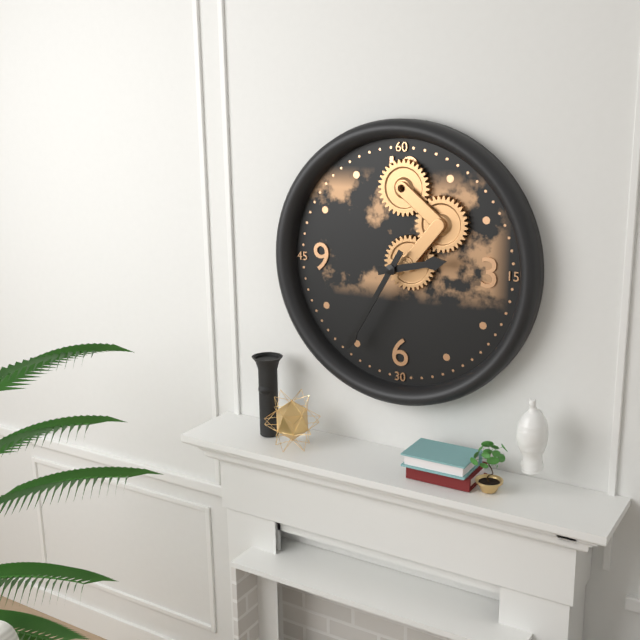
2:35
